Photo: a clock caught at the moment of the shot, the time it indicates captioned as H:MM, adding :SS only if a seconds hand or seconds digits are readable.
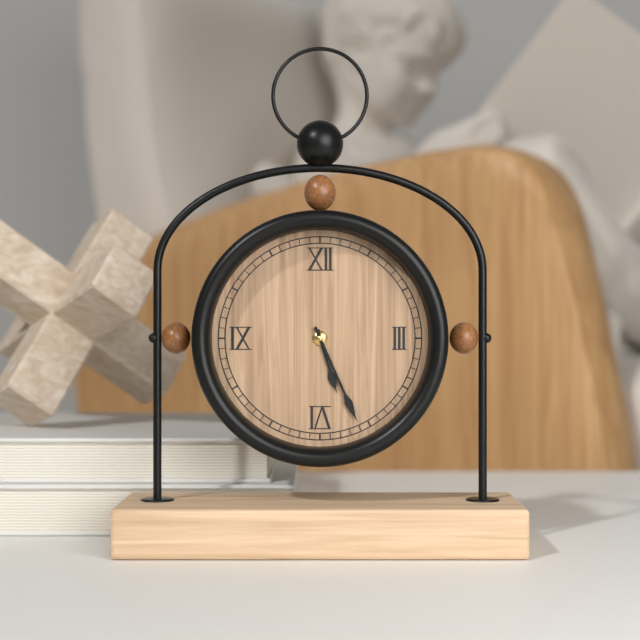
5:26
